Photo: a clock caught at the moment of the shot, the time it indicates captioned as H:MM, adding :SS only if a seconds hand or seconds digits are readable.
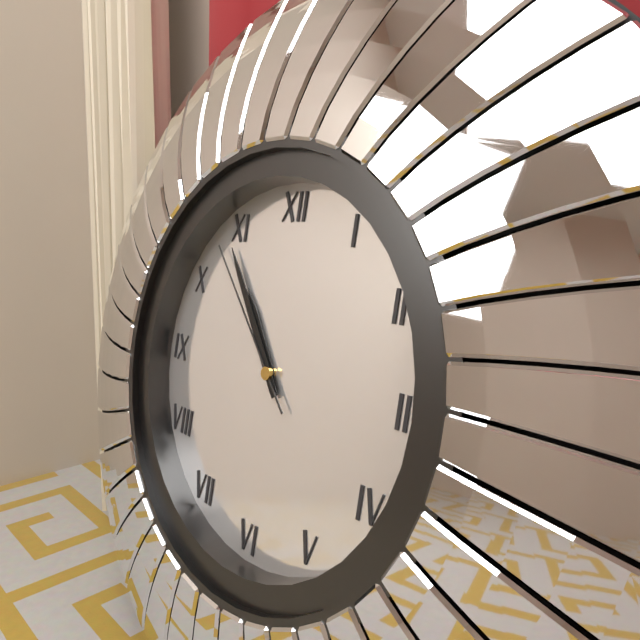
10:54:53
